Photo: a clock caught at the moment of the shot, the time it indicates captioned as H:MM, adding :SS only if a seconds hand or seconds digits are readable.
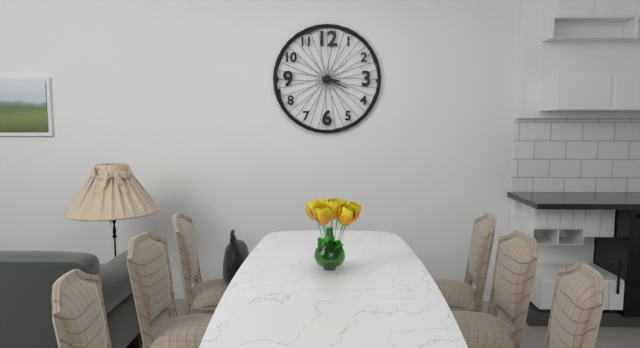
3:19
